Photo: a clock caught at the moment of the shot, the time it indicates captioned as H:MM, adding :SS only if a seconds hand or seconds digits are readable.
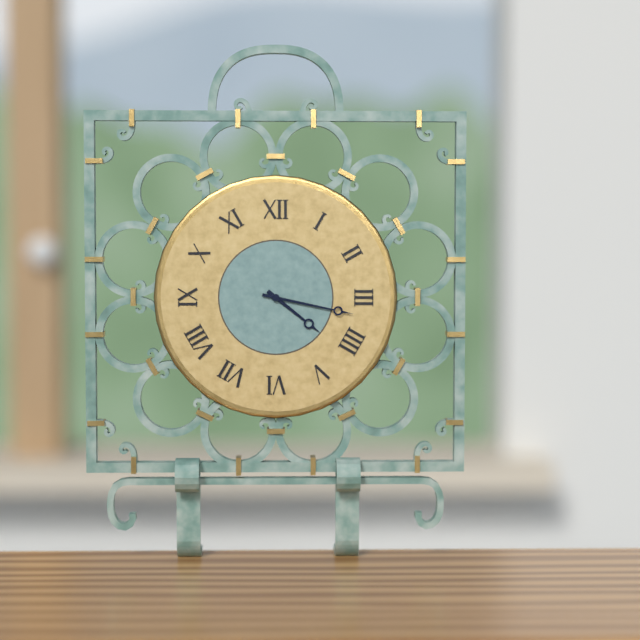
4:17
